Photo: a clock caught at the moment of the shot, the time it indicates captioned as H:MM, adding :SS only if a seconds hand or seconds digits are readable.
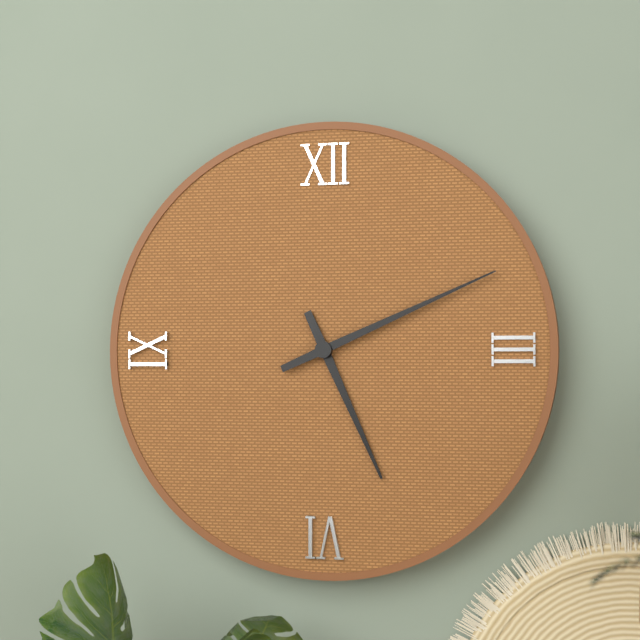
5:11
